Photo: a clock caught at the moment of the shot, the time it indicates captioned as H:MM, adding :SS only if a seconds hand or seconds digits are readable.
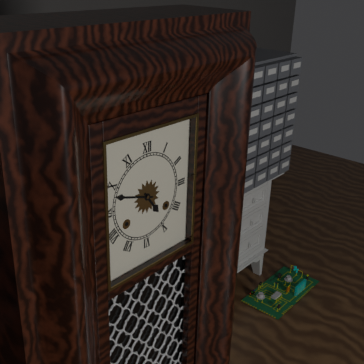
4:48
